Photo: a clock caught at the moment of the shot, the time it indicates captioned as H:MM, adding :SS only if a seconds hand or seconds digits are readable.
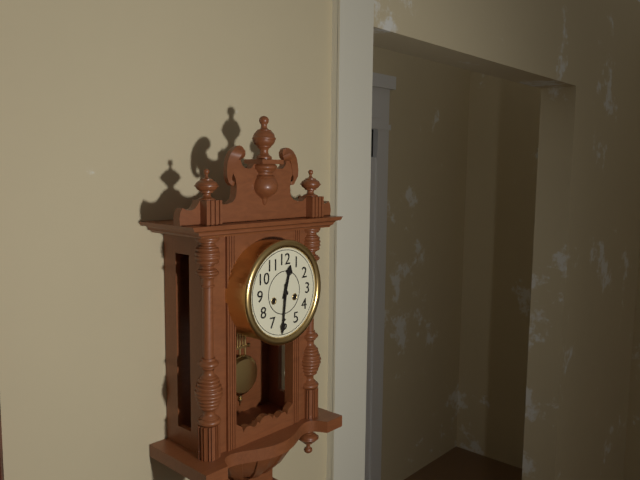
12:31
